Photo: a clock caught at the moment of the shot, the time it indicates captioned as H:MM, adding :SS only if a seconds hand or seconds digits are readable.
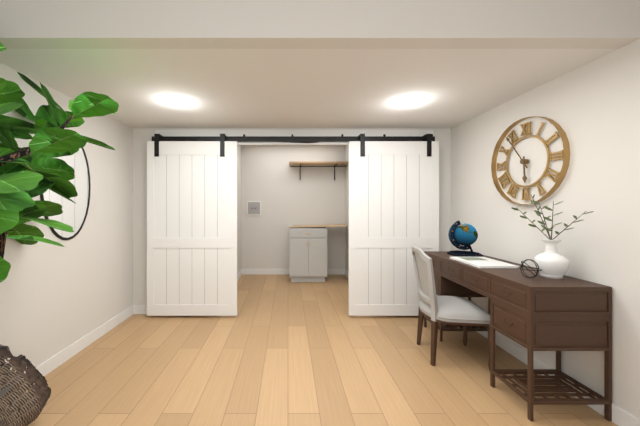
5:54
